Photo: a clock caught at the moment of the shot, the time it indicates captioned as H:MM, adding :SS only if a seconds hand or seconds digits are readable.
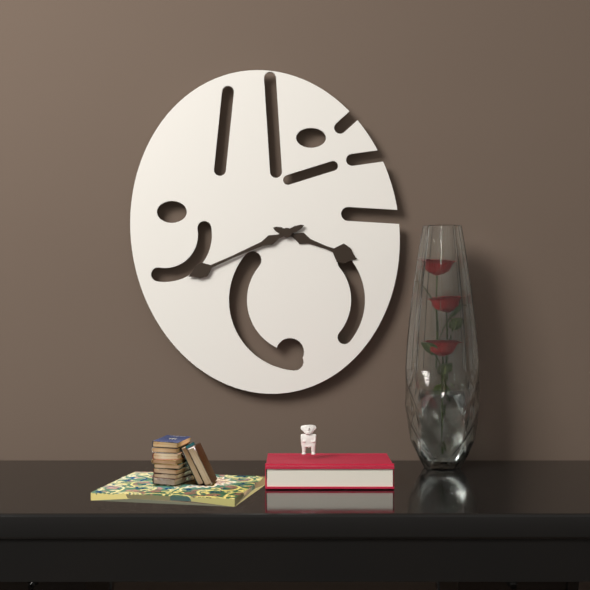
3:41
